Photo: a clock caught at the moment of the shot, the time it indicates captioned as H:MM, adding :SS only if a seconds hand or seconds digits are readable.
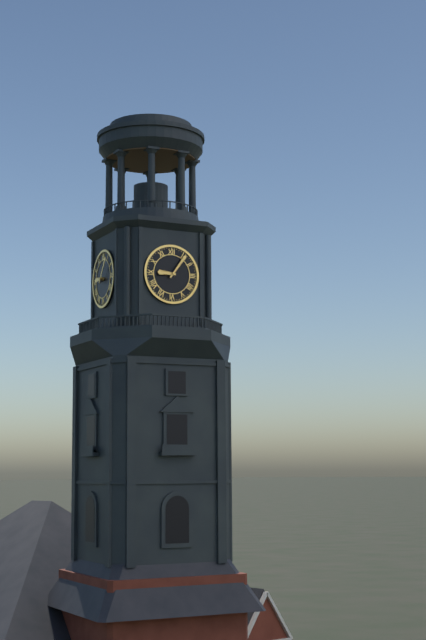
9:06
